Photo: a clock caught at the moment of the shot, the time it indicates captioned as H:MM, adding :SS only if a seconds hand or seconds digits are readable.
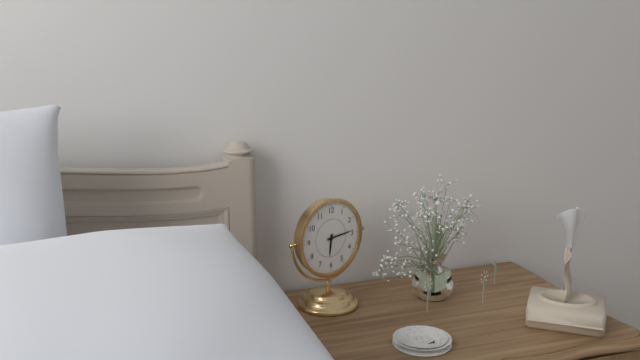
6:14
